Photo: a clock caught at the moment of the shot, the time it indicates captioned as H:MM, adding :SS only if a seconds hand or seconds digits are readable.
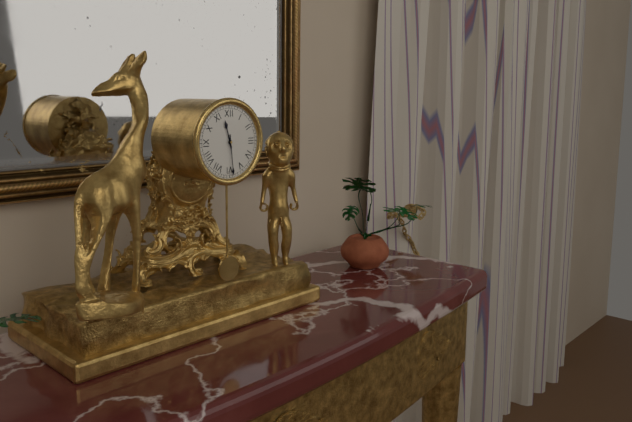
11:29
